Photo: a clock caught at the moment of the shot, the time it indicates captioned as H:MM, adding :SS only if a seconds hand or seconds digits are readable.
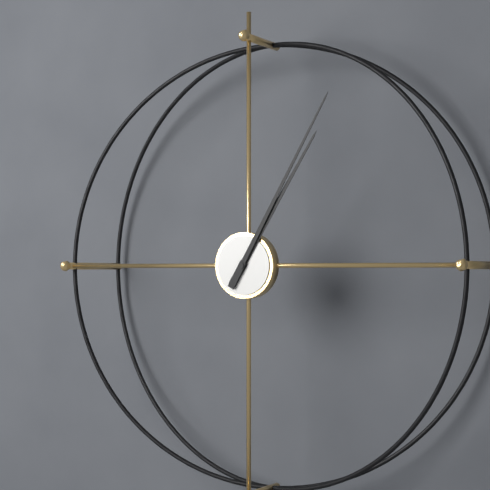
1:05
